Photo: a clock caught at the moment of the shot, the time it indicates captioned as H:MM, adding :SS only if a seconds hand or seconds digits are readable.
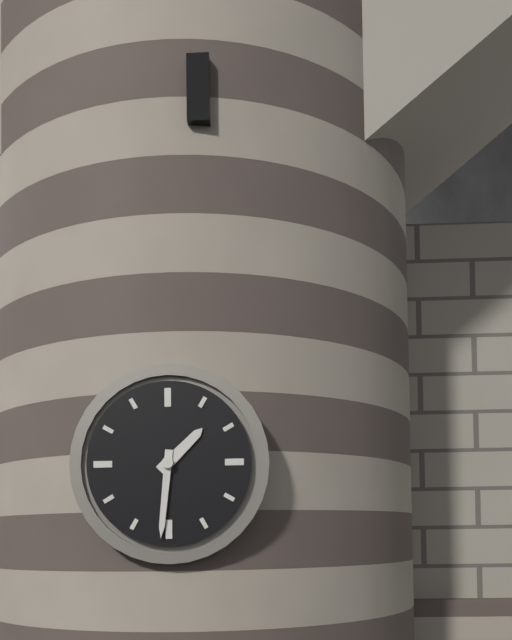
1:31
